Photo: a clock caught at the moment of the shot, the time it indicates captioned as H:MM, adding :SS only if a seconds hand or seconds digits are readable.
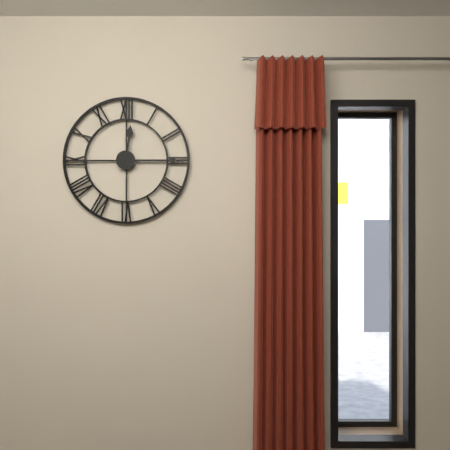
12:15
